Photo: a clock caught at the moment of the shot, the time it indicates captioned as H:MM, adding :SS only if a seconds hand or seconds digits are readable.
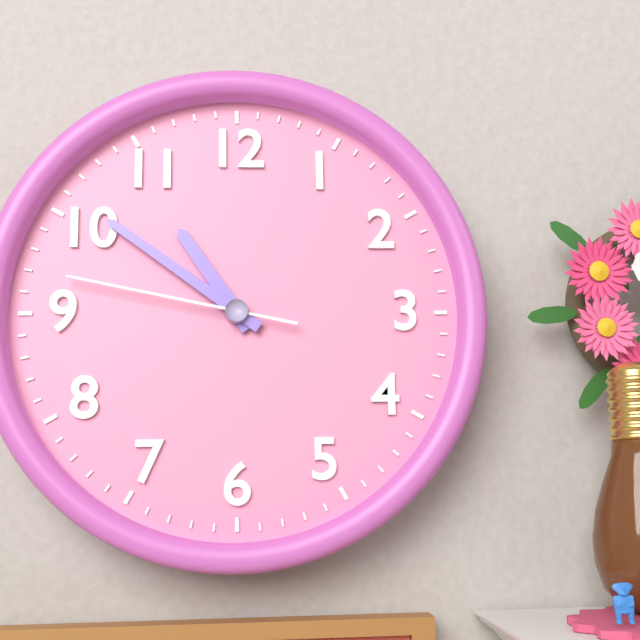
10:51:47
